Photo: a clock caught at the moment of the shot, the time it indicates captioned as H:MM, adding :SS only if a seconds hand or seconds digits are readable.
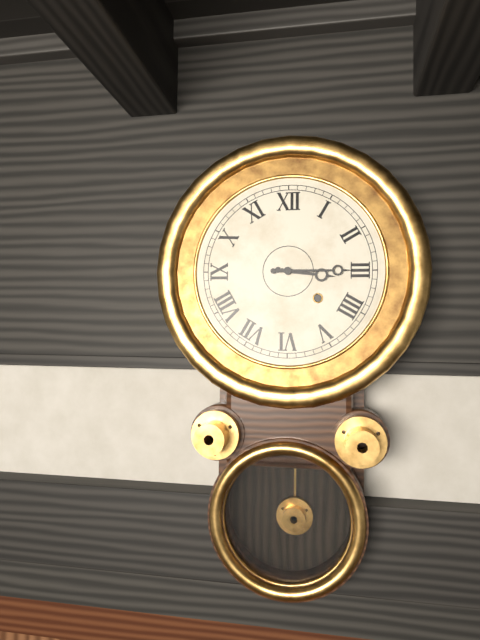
3:15
